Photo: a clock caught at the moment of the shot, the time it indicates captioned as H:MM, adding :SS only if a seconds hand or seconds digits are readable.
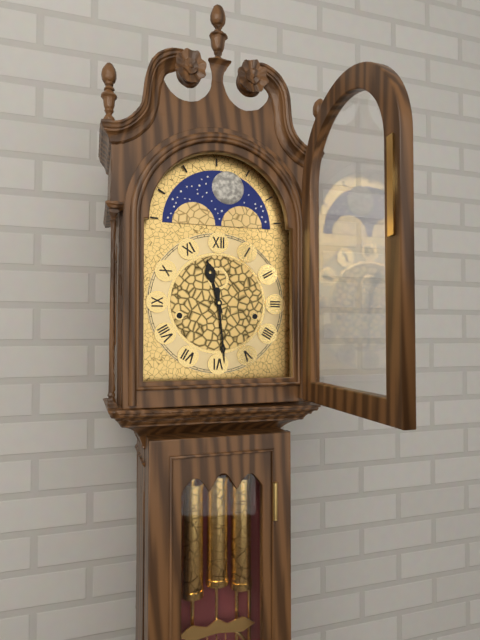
11:29
